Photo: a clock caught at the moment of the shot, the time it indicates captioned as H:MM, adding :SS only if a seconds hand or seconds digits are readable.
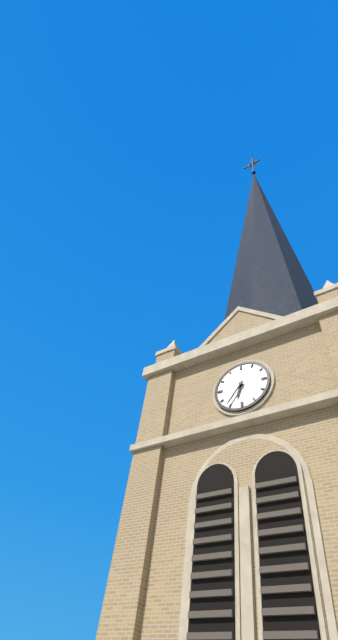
6:36
